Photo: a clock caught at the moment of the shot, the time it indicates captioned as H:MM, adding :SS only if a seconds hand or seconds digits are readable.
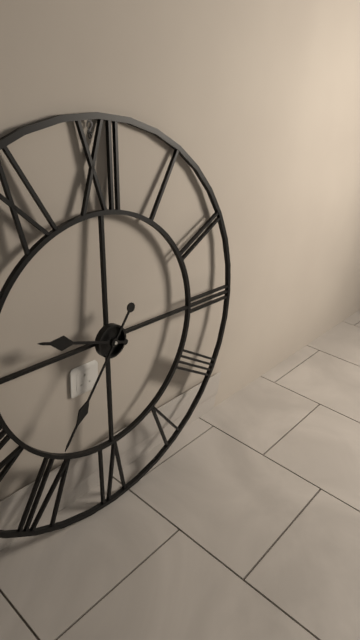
9:36
